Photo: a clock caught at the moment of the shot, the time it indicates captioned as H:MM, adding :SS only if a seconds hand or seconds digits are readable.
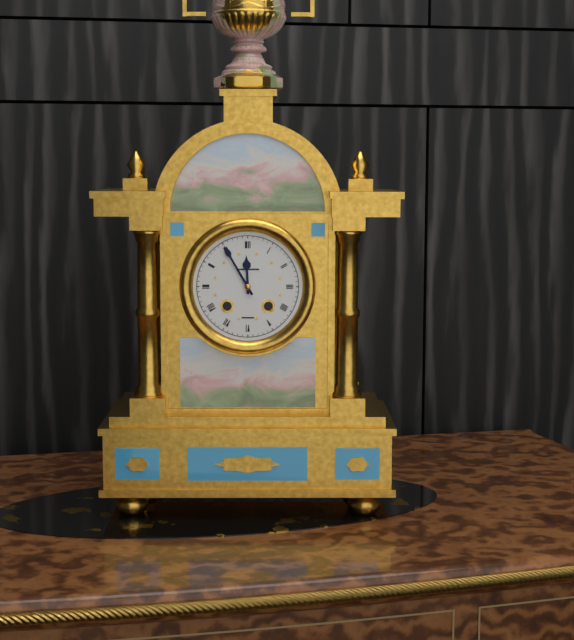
11:55
